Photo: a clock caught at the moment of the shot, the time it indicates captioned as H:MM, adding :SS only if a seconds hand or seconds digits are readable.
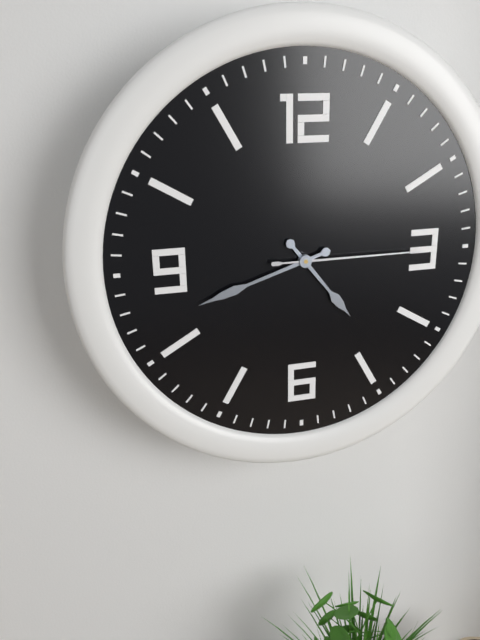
4:42:15
